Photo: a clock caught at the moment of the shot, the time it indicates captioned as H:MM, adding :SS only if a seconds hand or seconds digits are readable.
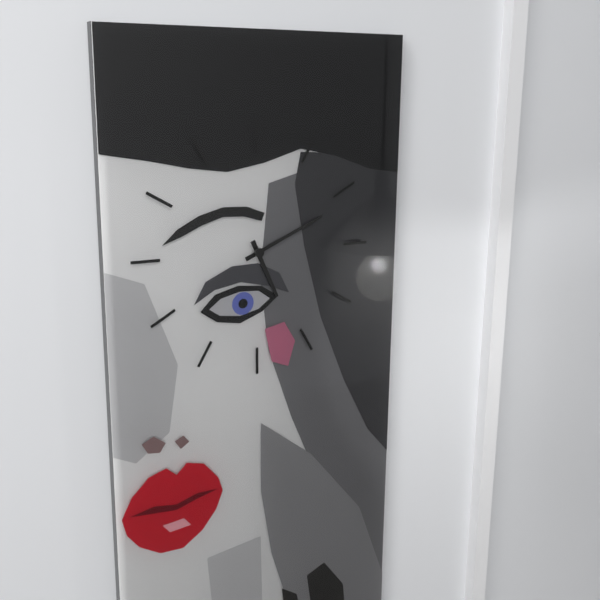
5:11
